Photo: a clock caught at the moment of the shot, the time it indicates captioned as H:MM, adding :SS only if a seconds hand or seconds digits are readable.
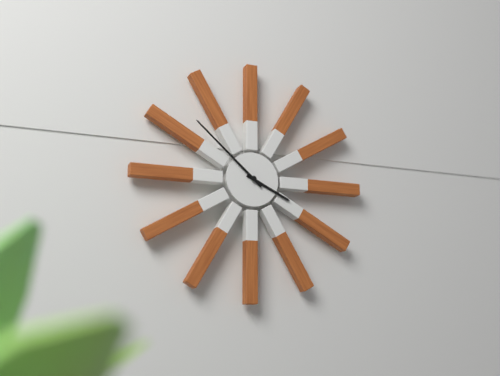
3:52
